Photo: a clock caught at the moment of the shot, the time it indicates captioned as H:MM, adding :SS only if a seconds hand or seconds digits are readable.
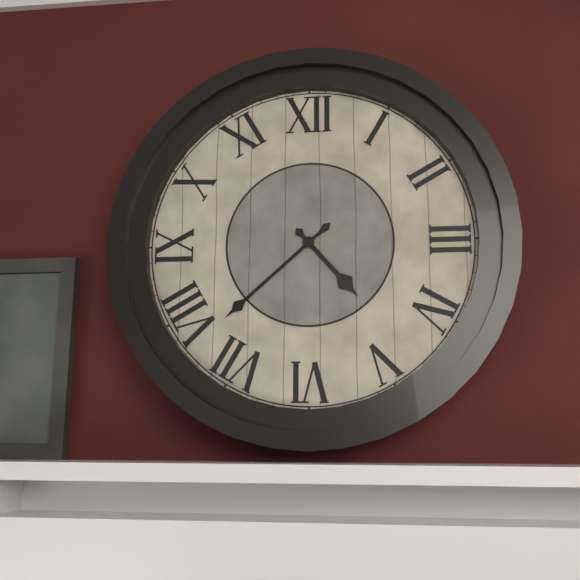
4:38
